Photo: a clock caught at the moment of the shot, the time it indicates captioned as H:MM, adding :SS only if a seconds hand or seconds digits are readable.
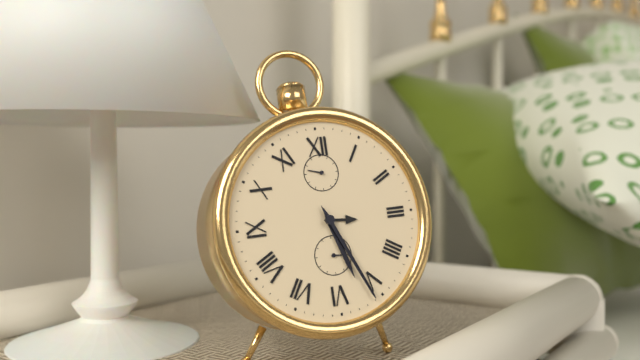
5:26
